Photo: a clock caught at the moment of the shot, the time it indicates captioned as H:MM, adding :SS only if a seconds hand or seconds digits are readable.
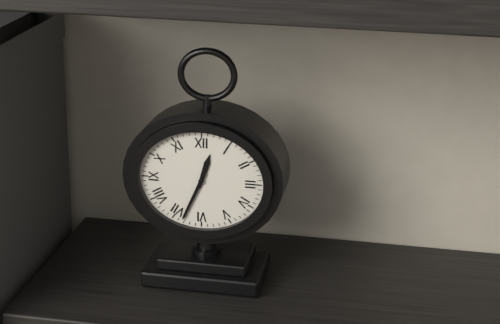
12:34
